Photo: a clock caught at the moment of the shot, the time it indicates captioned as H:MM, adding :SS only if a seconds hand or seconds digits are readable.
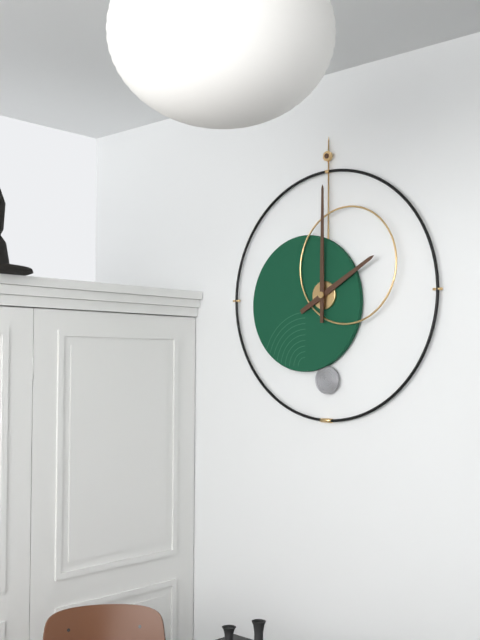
2:00
